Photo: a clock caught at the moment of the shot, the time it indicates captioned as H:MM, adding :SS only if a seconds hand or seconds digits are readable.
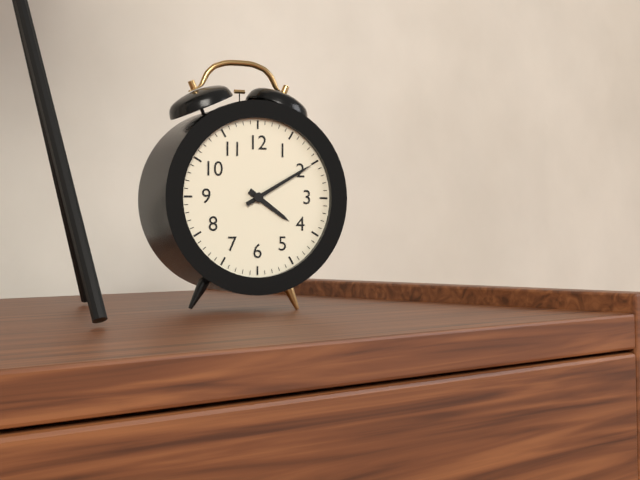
4:10
